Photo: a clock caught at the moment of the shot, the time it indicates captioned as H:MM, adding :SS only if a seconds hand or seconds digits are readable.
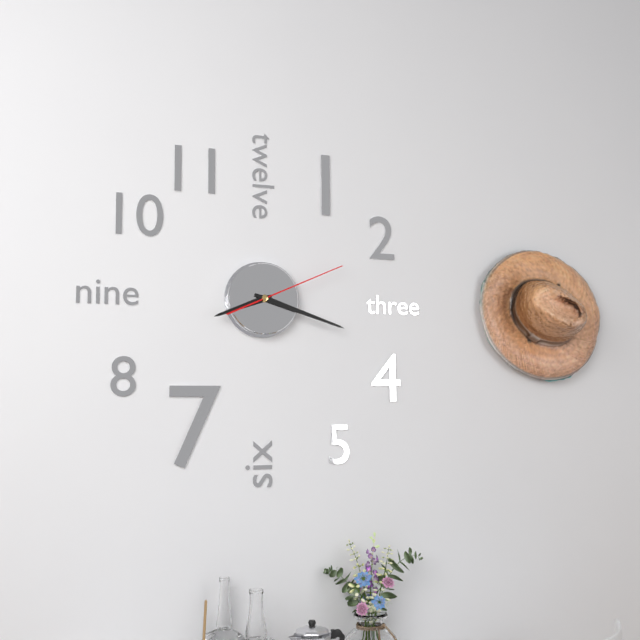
8:18:11
